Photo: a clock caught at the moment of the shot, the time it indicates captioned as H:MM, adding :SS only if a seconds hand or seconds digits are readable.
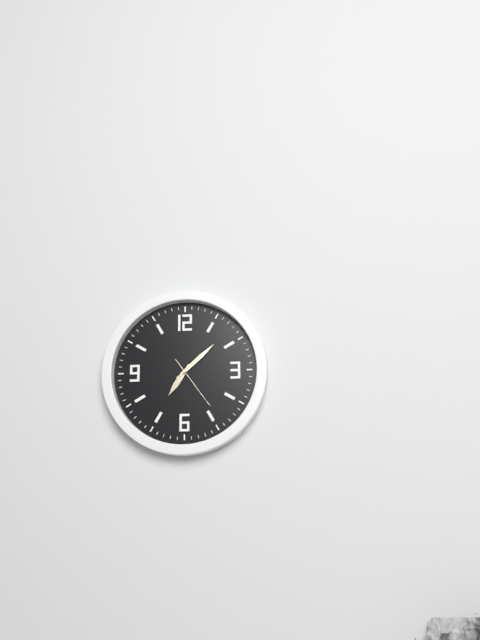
7:08:24
